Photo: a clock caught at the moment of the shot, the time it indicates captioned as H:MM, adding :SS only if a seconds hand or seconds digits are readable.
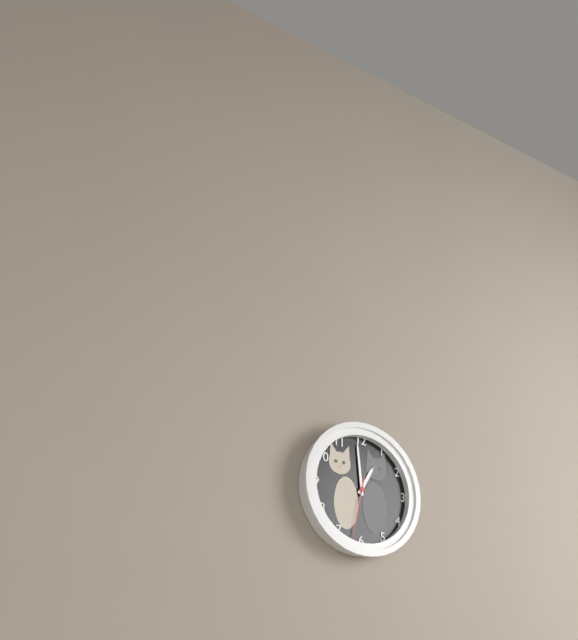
12:59:32
